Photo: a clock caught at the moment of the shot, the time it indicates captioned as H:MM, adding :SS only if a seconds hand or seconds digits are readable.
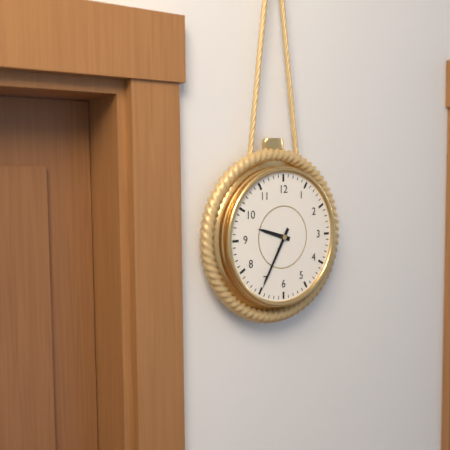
9:35
